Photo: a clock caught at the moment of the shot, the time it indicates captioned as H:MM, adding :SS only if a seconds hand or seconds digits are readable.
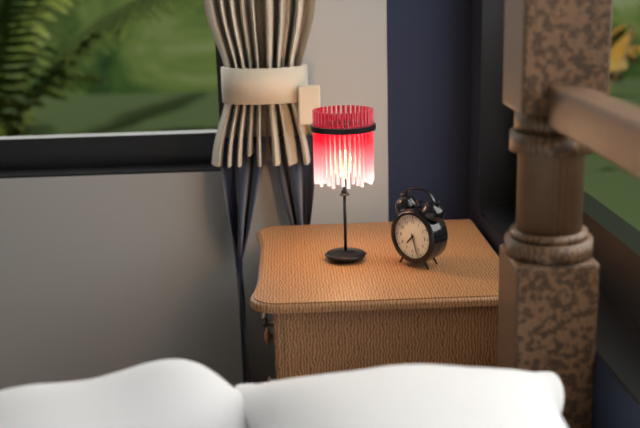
7:27
